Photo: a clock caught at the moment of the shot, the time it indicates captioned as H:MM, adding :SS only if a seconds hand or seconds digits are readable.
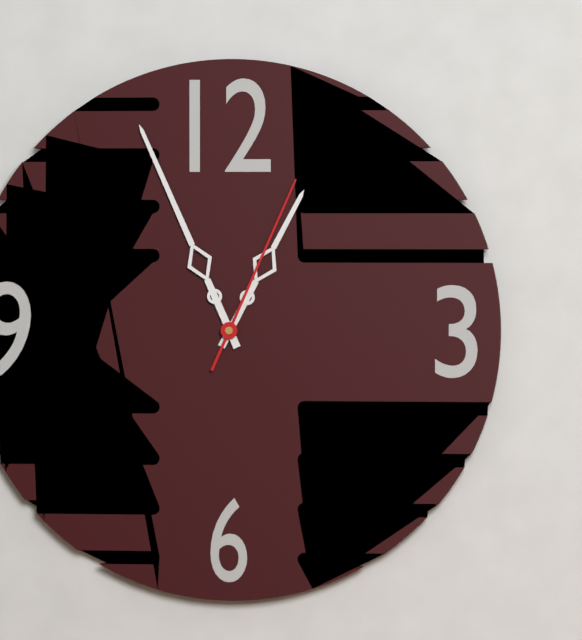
12:56:04
